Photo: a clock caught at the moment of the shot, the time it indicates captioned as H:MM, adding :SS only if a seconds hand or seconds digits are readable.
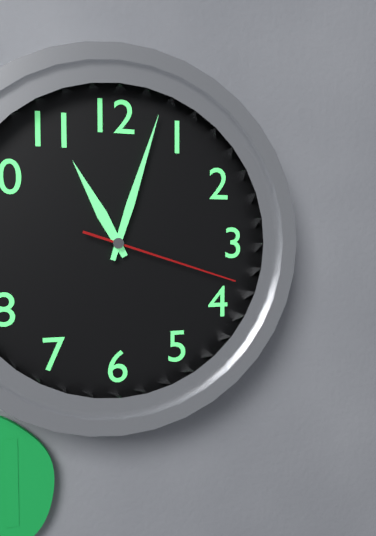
11:03:18
